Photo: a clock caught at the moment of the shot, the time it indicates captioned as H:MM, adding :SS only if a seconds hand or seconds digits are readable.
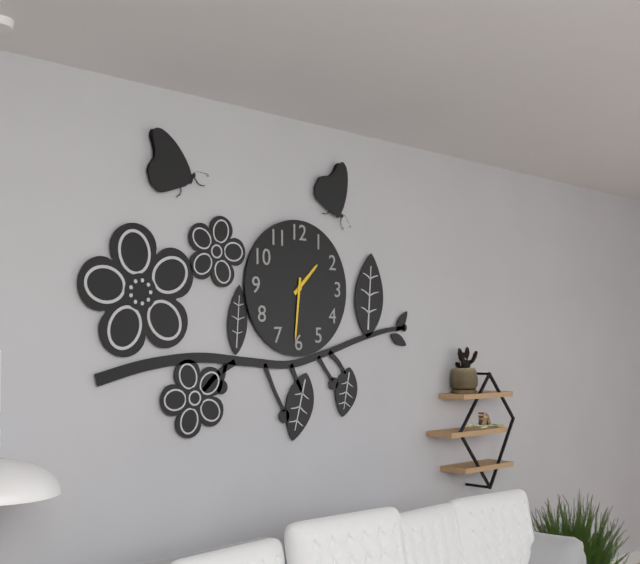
1:31
